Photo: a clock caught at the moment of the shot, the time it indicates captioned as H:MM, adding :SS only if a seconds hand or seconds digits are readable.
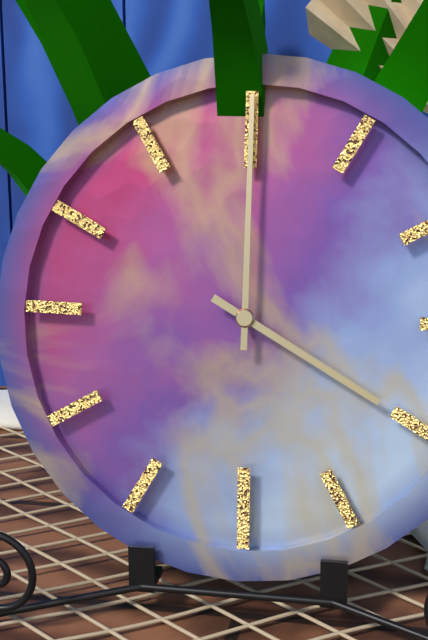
4:00
